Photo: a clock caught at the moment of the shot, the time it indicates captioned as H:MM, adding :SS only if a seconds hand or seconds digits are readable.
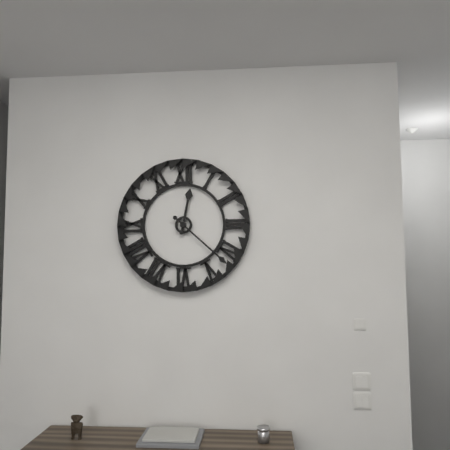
12:22
